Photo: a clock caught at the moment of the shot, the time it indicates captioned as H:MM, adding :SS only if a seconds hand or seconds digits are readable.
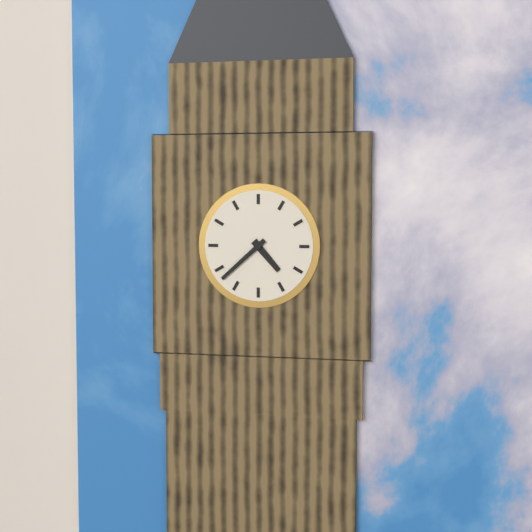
4:38
